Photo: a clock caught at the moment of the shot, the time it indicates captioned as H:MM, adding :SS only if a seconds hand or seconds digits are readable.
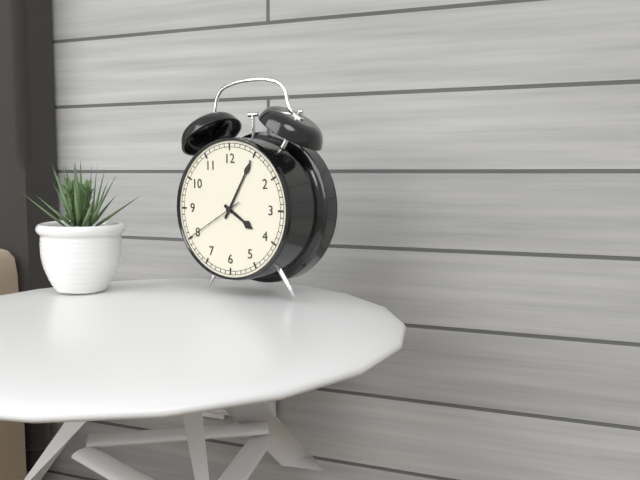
4:05:40
